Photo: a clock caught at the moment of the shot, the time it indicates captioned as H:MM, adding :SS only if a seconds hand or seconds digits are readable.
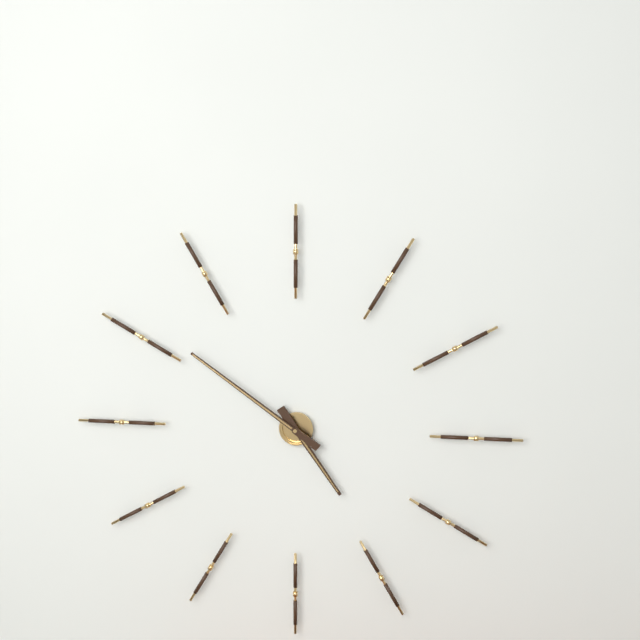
4:51
